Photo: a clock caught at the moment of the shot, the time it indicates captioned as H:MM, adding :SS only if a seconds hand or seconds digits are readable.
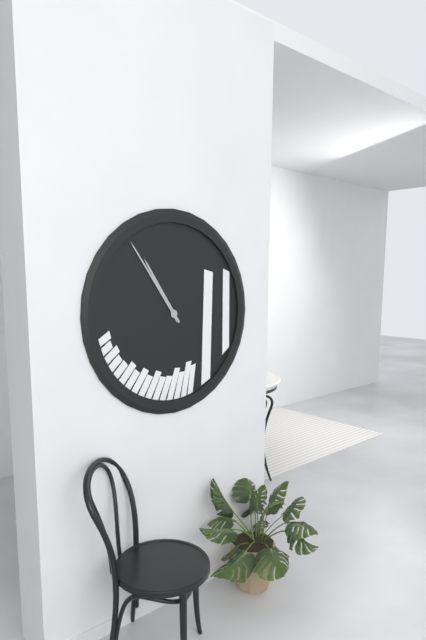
10:54
